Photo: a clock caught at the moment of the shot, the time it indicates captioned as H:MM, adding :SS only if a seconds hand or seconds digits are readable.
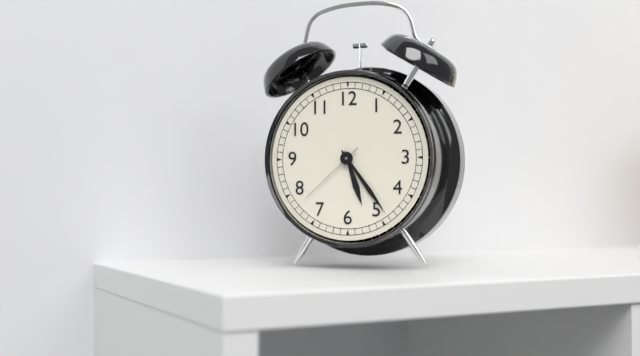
5:24:38
